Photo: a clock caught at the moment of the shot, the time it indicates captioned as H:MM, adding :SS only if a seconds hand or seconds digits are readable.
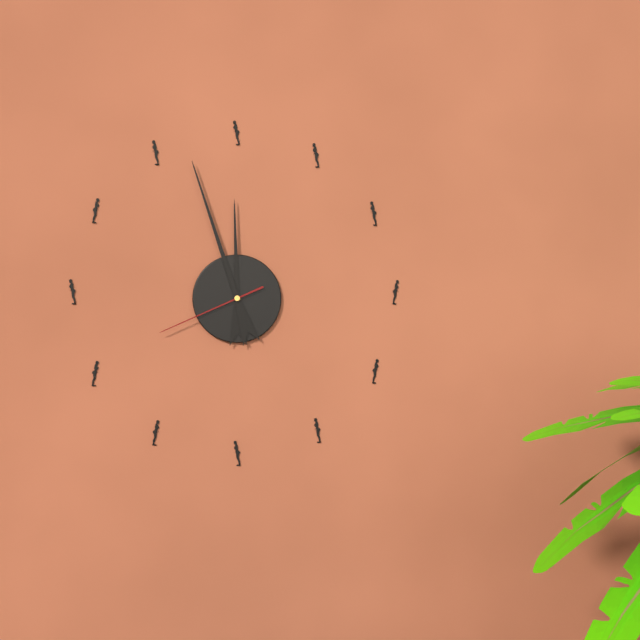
11:57:41
